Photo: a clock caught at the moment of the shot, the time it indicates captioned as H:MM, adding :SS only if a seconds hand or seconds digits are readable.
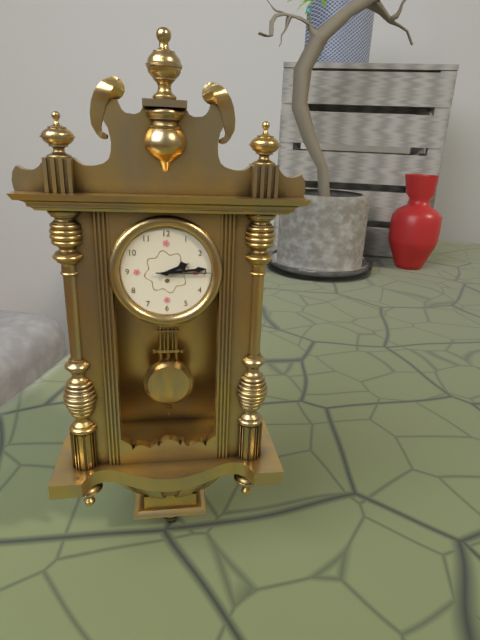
2:14:15
